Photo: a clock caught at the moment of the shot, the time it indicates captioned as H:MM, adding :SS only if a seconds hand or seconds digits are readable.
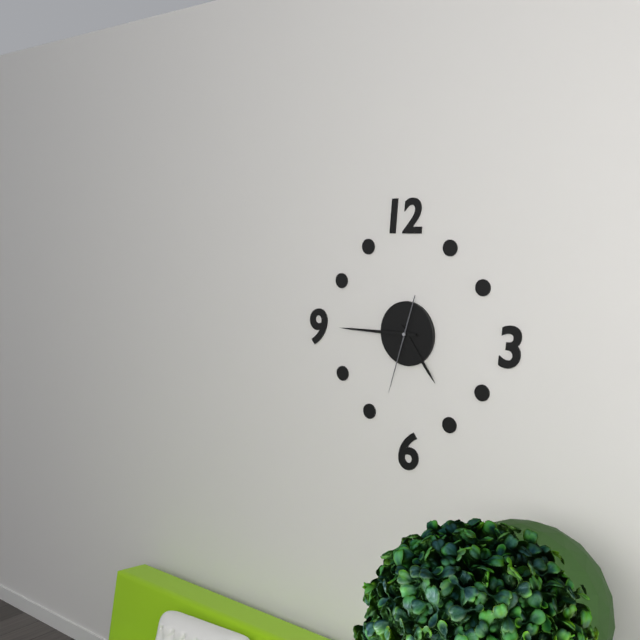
4:45:33
